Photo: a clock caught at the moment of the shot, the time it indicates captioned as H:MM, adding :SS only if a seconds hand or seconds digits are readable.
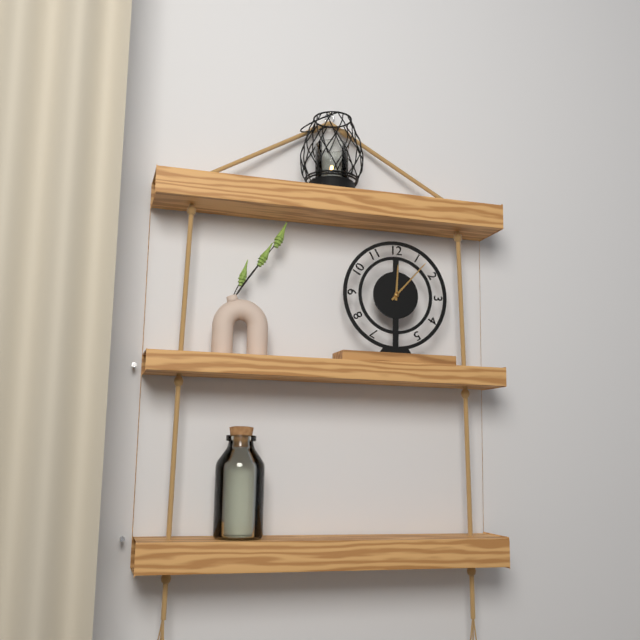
12:07
